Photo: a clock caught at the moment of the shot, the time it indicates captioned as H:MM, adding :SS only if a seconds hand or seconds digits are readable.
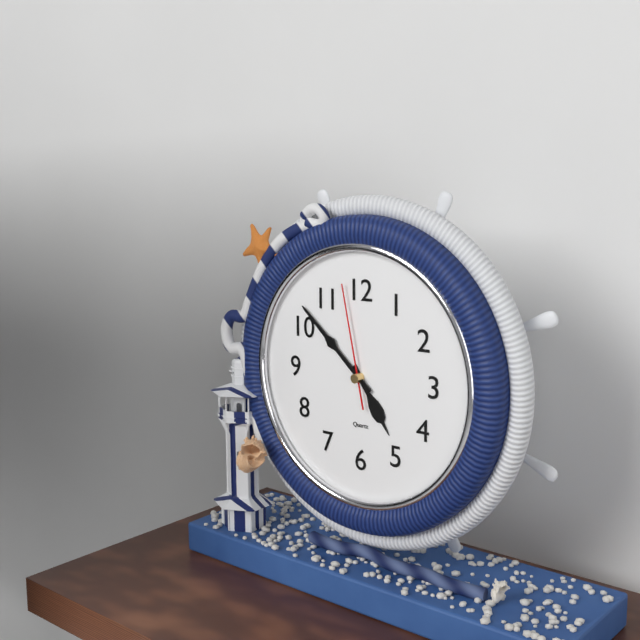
4:52:58
